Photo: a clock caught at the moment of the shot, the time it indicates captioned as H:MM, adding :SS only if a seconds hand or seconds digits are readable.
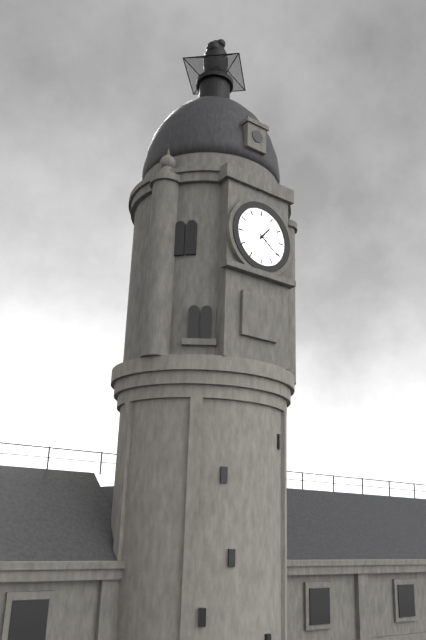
1:21
